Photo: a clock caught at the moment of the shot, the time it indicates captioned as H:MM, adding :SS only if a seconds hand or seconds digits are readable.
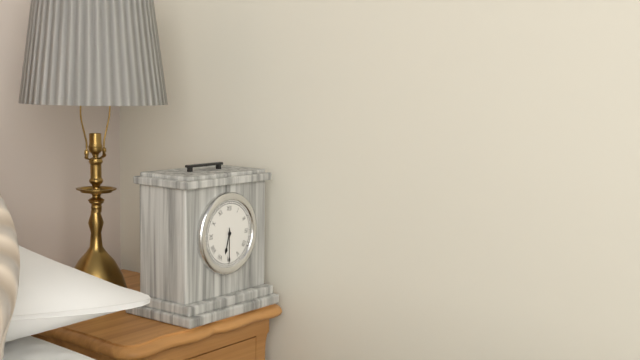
6:30
